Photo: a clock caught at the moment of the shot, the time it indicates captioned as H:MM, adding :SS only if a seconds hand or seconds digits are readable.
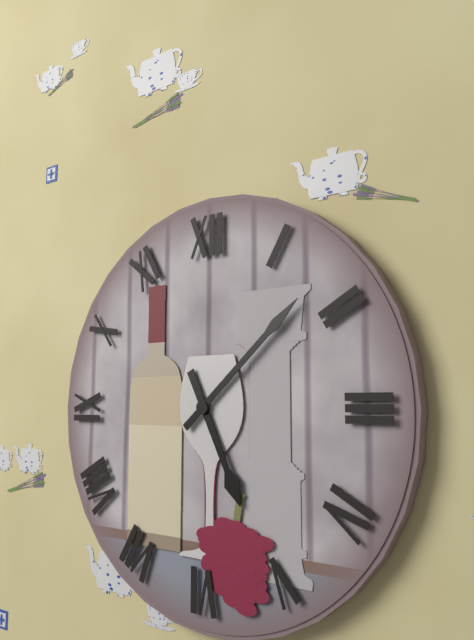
5:08
